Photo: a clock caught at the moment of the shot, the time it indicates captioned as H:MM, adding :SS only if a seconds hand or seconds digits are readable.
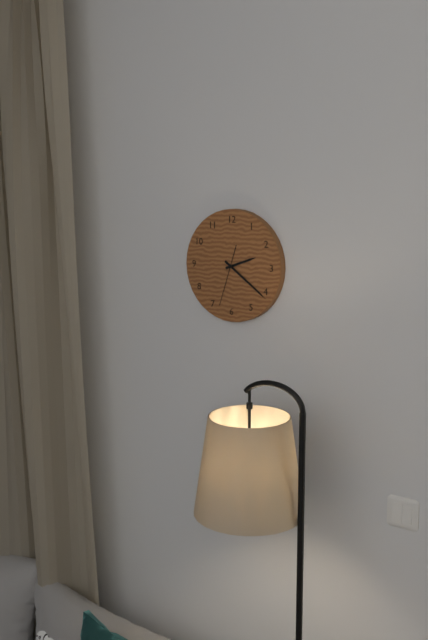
2:21:33
